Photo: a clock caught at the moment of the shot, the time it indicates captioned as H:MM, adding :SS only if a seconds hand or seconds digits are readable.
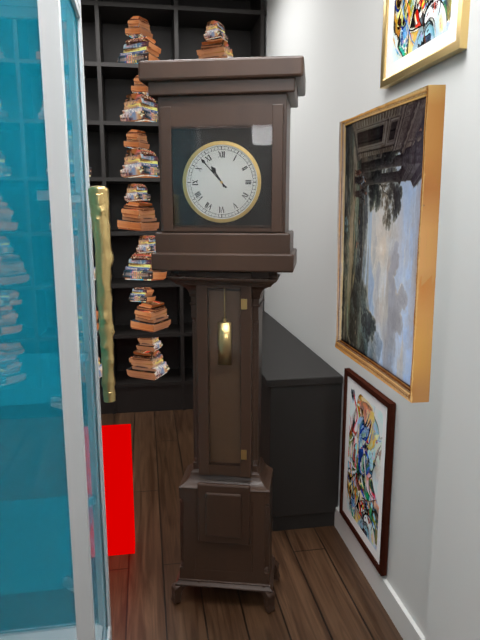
10:53
